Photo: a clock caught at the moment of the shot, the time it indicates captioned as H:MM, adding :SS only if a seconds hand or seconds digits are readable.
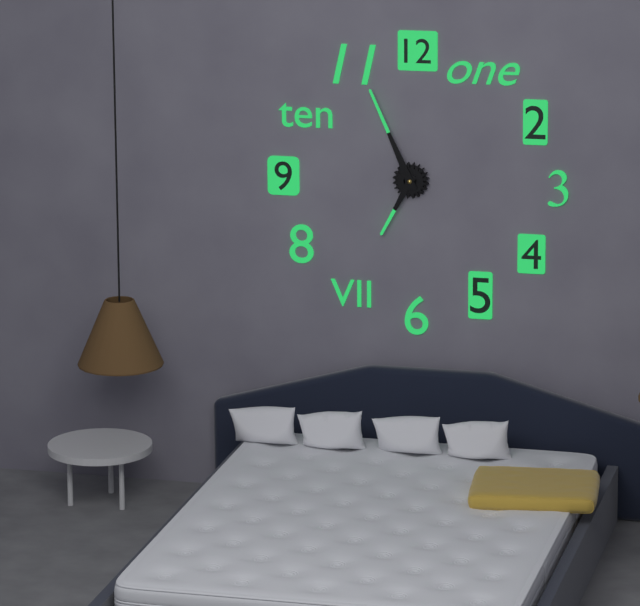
6:56
